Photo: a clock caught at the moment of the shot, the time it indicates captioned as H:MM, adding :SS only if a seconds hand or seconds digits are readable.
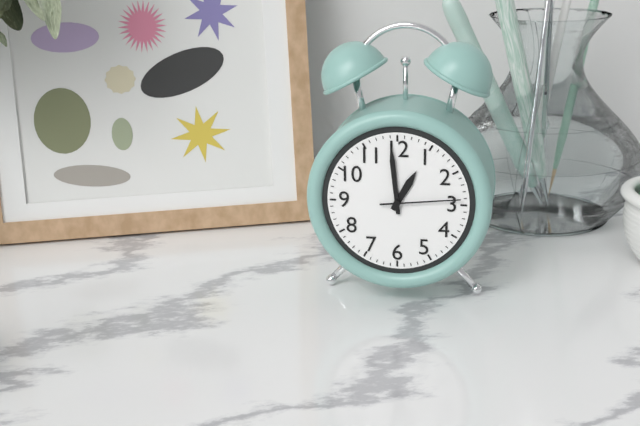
12:59:14
